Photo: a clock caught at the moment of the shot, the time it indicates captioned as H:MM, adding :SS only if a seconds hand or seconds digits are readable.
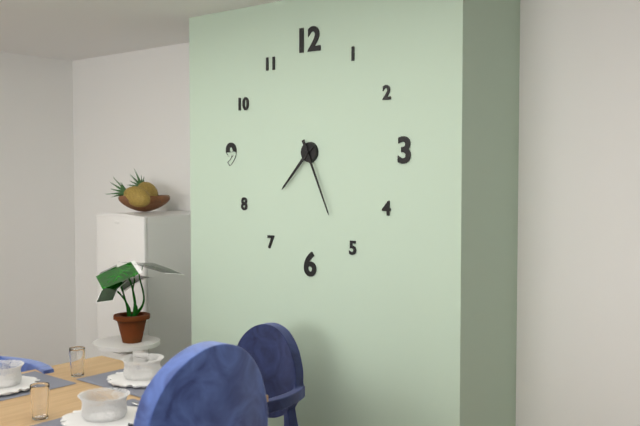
7:26
